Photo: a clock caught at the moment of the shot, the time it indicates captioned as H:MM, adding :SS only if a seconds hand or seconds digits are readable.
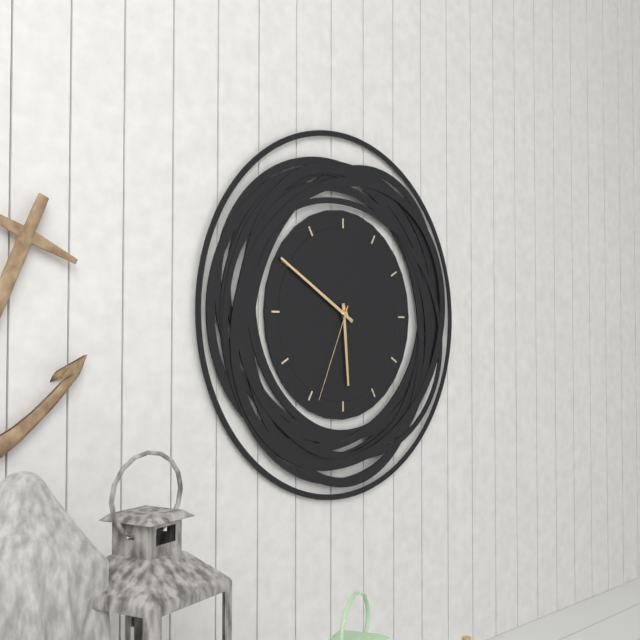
5:50:34
